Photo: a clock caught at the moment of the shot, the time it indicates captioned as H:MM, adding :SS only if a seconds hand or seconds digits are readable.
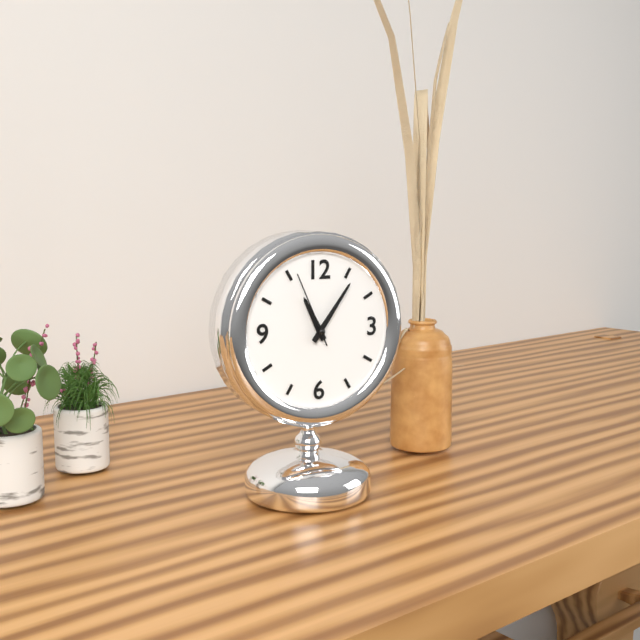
11:06:56
